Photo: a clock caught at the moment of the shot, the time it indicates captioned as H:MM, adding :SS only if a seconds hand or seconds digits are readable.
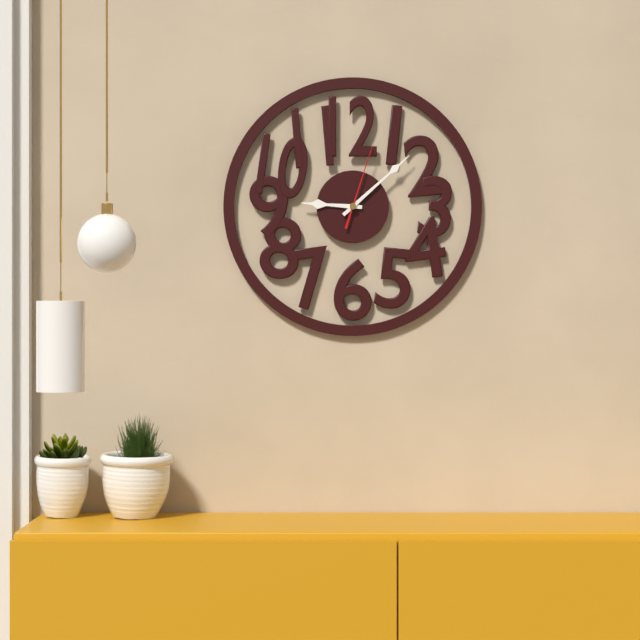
9:08:03
